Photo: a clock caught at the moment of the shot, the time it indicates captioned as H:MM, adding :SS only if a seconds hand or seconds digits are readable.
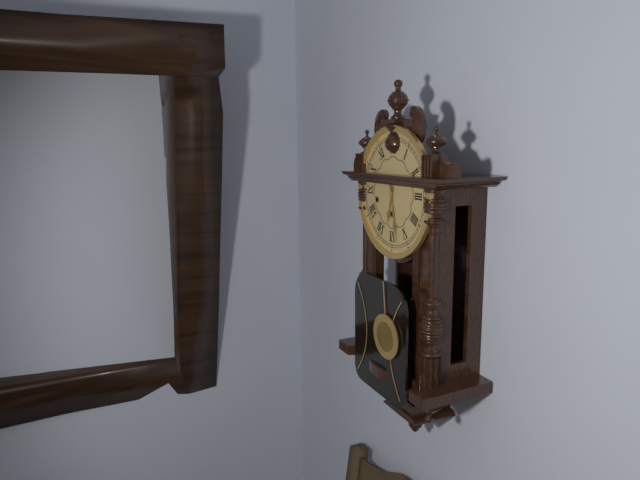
6:28
